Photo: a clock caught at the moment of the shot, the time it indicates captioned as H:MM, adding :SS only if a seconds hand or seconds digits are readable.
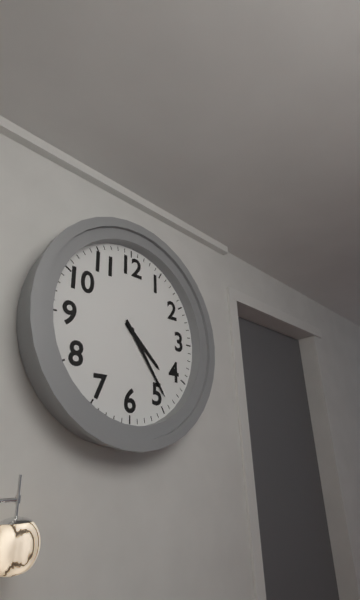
4:24
